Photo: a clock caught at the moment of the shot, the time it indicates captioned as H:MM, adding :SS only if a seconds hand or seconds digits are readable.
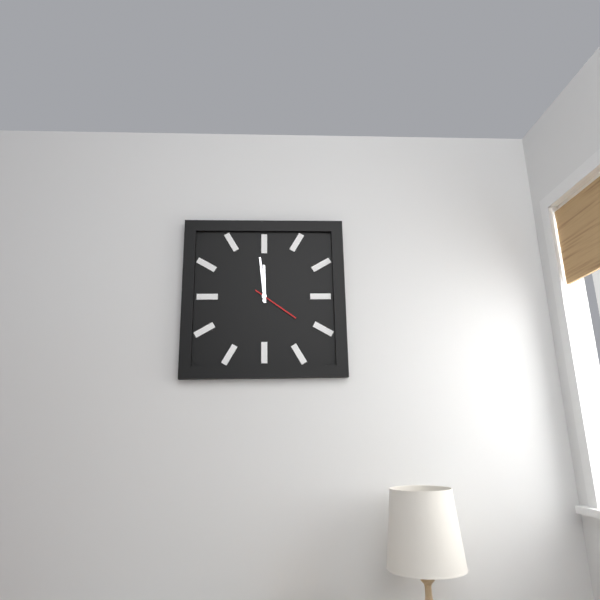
11:59
